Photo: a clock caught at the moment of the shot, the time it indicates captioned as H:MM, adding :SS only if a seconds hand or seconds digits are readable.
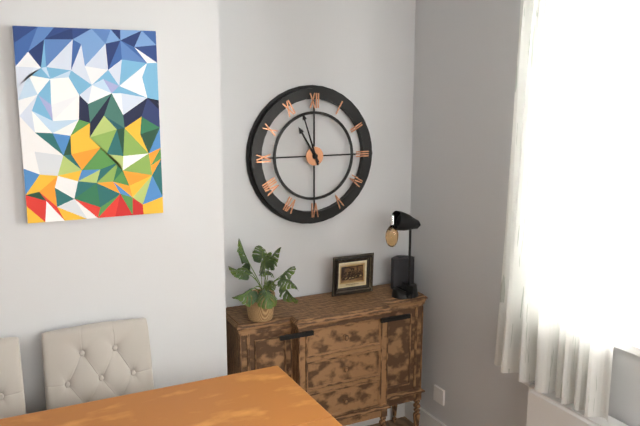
10:57
